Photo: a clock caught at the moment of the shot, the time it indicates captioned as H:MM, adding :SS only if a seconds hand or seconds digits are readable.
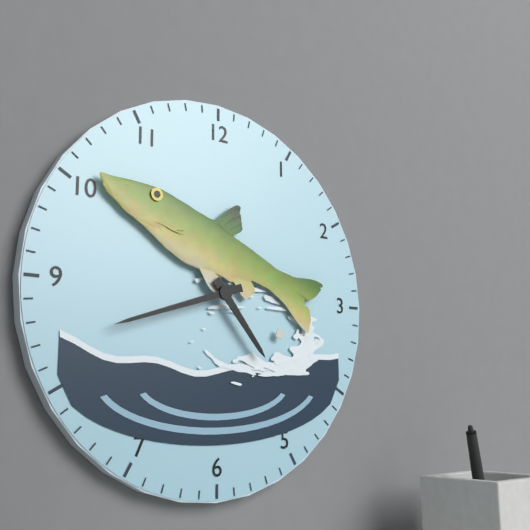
4:42
